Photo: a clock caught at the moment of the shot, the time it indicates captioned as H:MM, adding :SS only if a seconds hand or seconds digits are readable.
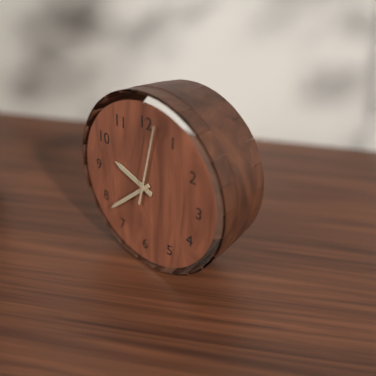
9:38:02
